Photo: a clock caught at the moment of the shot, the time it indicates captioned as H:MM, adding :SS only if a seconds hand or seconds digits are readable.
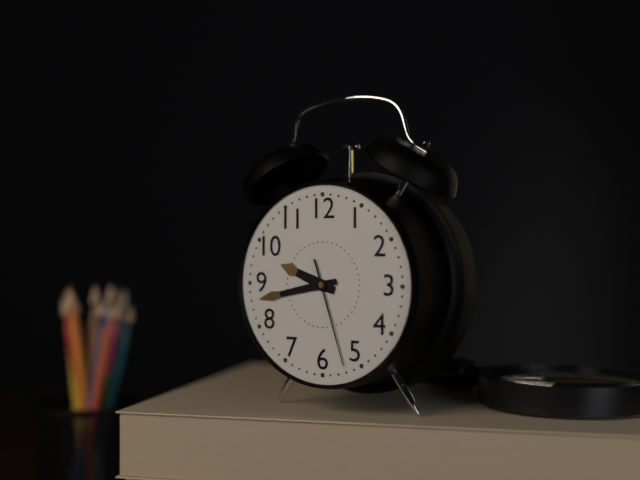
9:43:27
